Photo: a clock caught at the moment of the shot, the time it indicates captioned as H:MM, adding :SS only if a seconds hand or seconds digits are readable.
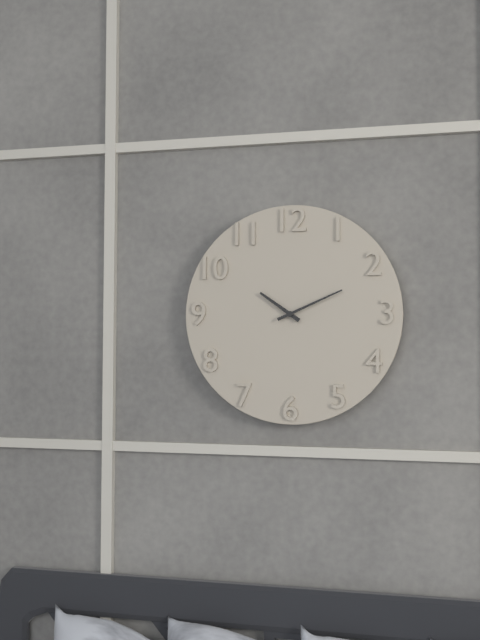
10:11
